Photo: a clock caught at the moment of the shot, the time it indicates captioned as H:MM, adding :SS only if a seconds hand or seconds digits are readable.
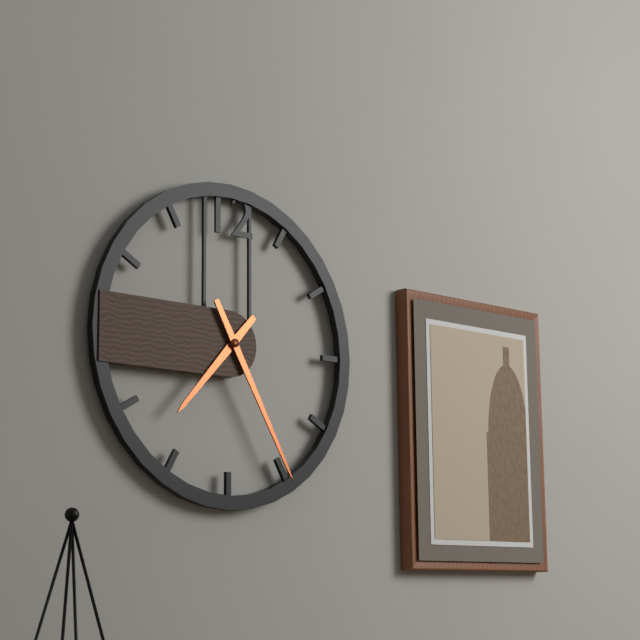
7:25
